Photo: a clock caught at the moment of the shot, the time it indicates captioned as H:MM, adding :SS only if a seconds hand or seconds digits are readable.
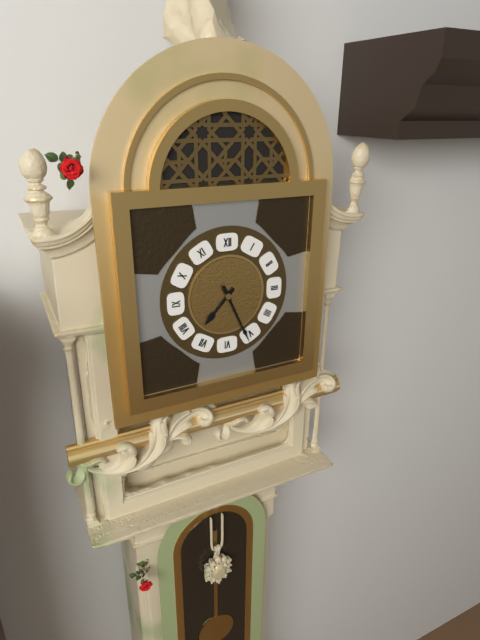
7:26
